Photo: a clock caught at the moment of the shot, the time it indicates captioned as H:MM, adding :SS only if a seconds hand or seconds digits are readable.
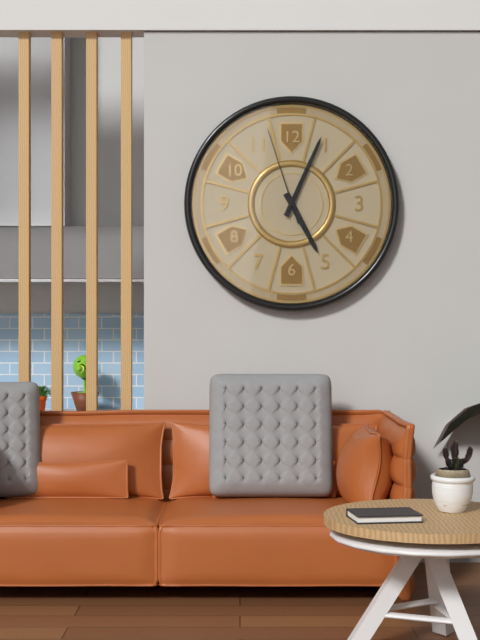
5:04:57
